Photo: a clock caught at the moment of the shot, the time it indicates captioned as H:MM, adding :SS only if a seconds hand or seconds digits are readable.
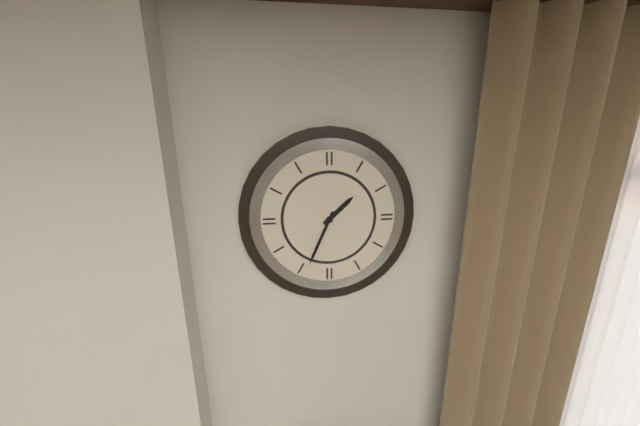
1:34
